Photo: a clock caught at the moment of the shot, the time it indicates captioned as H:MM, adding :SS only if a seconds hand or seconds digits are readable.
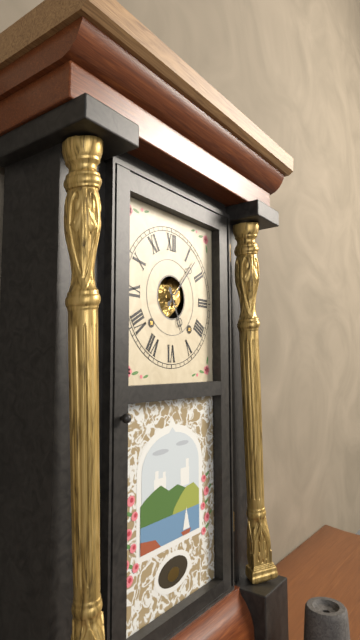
5:07
